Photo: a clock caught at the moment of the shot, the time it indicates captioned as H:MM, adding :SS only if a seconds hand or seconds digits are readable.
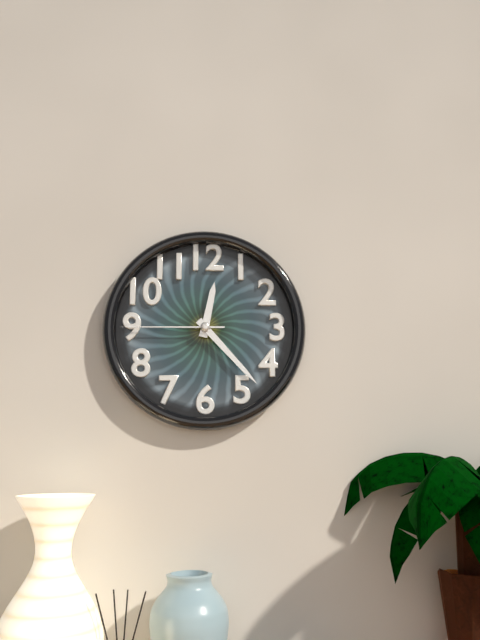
12:23:45
